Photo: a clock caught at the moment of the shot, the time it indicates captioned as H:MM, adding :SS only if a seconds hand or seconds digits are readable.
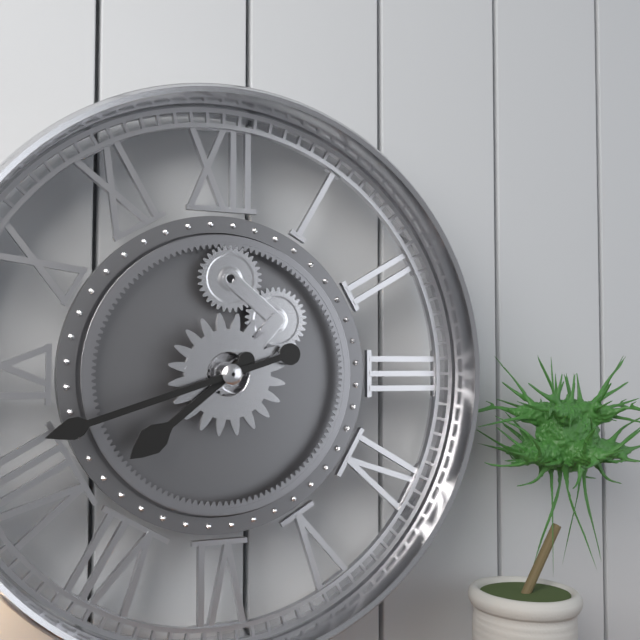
7:42
